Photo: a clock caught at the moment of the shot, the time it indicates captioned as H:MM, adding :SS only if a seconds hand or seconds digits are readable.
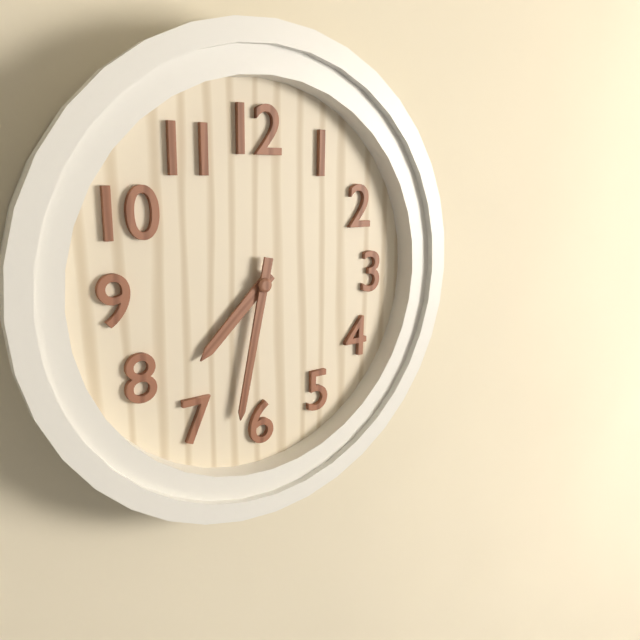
7:32
